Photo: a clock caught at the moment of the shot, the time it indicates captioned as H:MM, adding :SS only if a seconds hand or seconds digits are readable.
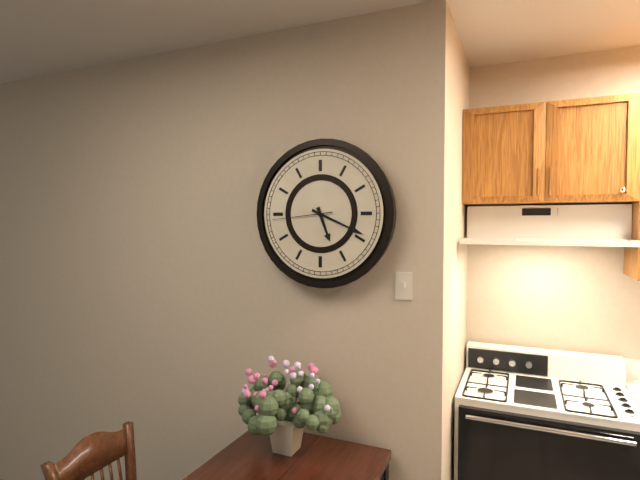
5:19:44
